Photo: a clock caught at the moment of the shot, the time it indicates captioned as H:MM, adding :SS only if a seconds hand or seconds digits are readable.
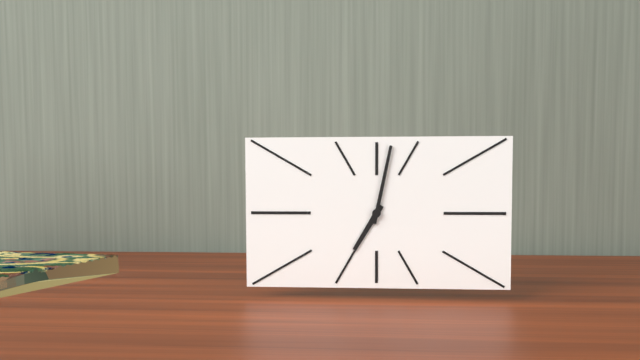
7:02
